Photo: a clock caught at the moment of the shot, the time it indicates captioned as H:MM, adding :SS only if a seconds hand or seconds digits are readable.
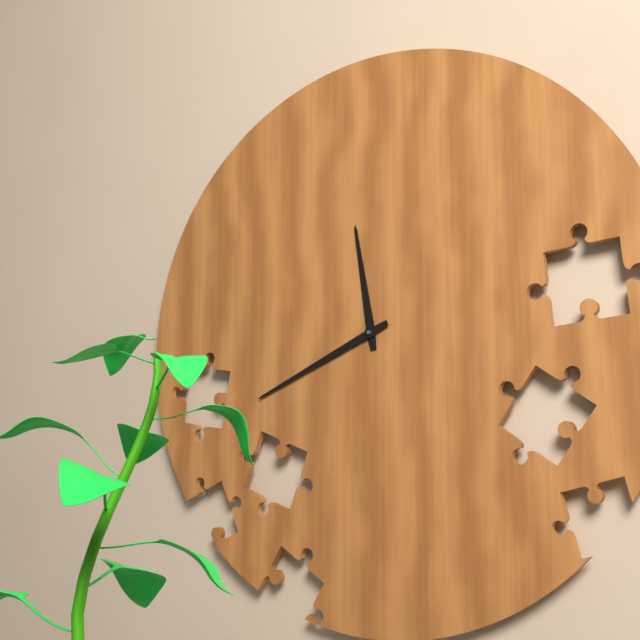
11:41
